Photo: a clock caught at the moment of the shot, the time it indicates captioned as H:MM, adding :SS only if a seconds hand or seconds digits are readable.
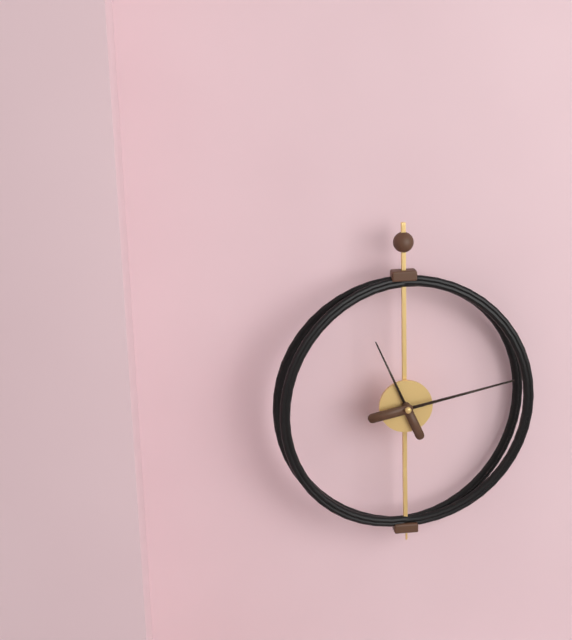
11:13
